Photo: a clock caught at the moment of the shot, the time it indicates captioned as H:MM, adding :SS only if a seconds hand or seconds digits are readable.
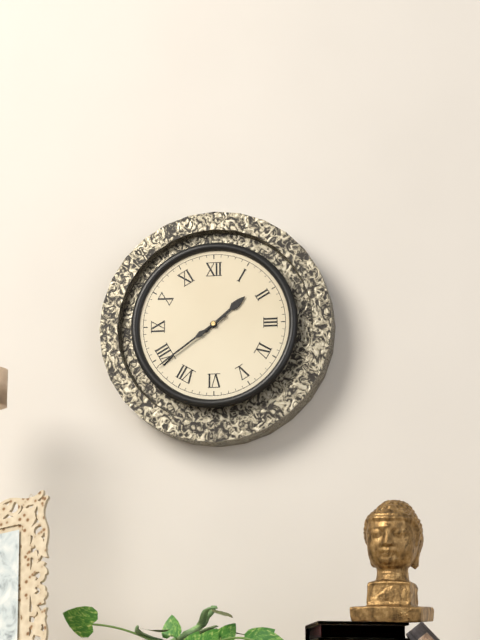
1:39
